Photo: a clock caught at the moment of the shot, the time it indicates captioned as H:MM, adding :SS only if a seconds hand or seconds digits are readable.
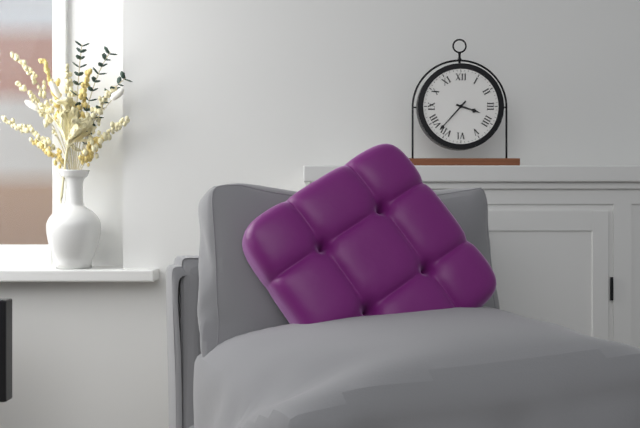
3:37
